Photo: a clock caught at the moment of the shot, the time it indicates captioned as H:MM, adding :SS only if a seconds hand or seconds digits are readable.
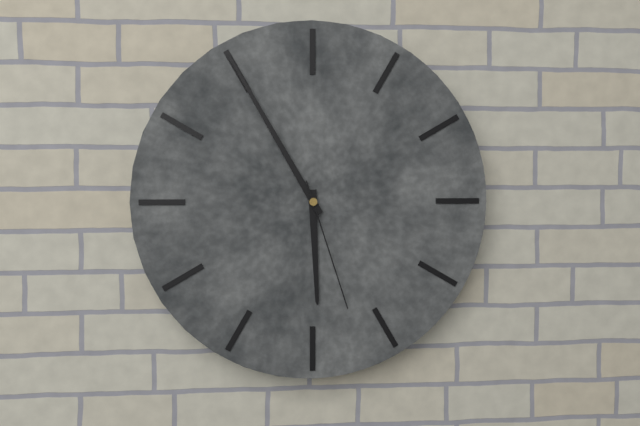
5:55:27
